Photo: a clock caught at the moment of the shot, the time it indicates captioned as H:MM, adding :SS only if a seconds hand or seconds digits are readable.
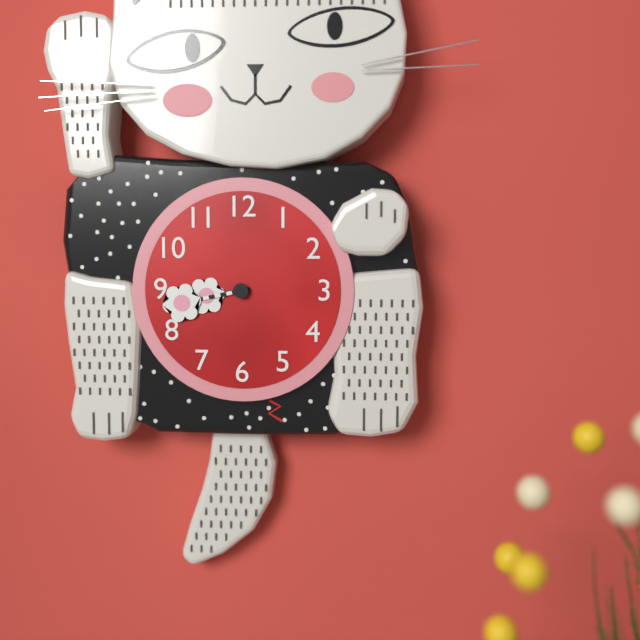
8:43
